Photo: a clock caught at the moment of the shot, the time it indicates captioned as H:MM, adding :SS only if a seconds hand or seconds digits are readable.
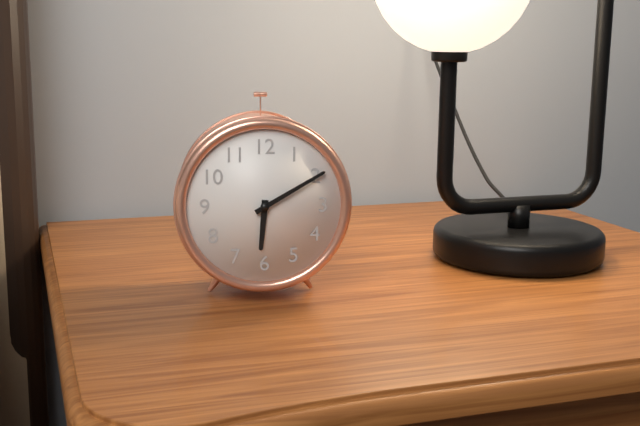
6:10
